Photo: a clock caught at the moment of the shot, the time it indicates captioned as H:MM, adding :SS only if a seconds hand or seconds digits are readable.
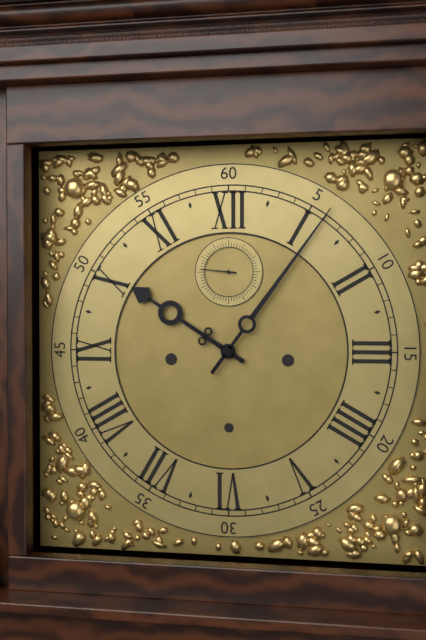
10:06
